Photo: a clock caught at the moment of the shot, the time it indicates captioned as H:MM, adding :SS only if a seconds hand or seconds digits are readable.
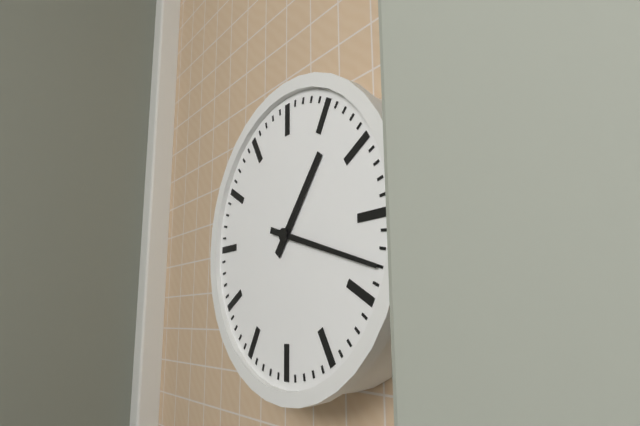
1:18
